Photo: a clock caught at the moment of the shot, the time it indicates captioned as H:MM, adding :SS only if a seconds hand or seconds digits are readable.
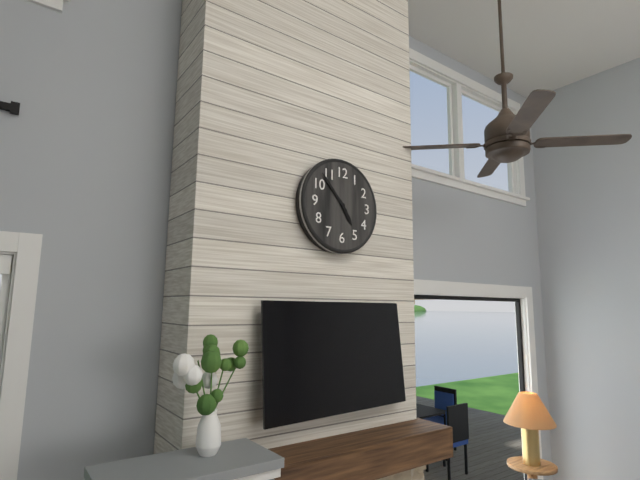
4:53
